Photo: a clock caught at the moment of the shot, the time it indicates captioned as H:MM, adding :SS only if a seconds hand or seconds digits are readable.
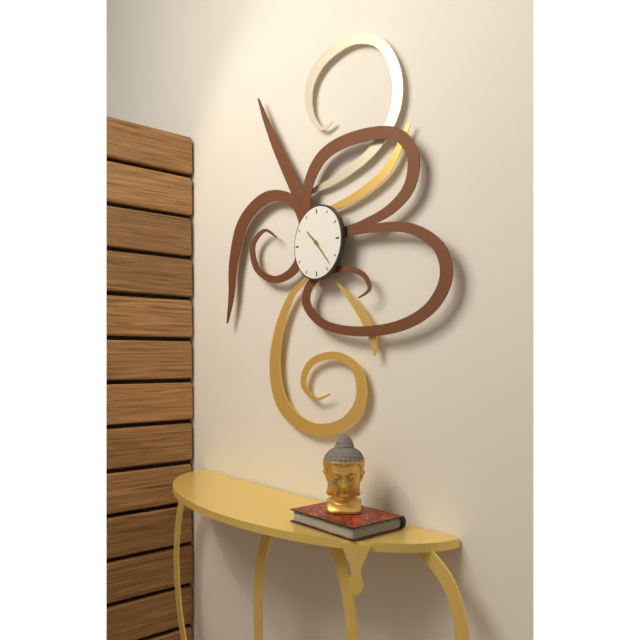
10:23
